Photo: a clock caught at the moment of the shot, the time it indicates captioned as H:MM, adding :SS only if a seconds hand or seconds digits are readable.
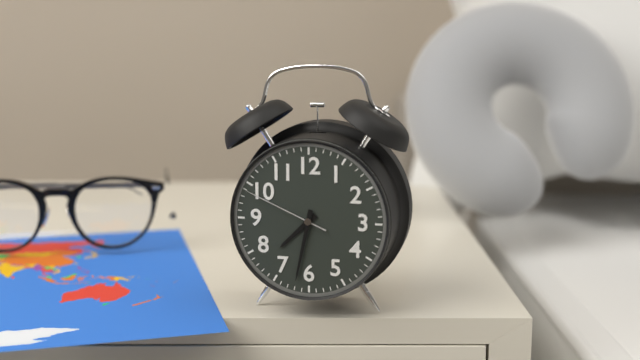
7:32:49
